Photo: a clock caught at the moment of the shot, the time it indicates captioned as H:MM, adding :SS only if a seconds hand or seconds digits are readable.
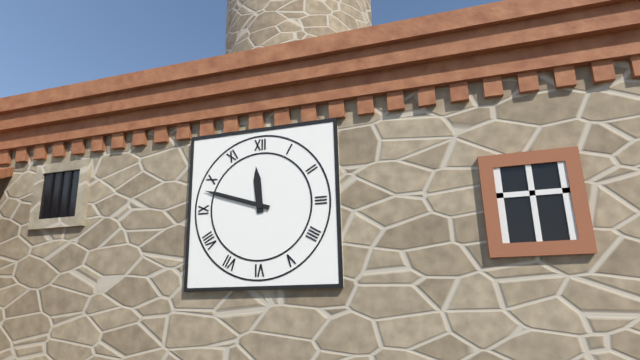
11:48
